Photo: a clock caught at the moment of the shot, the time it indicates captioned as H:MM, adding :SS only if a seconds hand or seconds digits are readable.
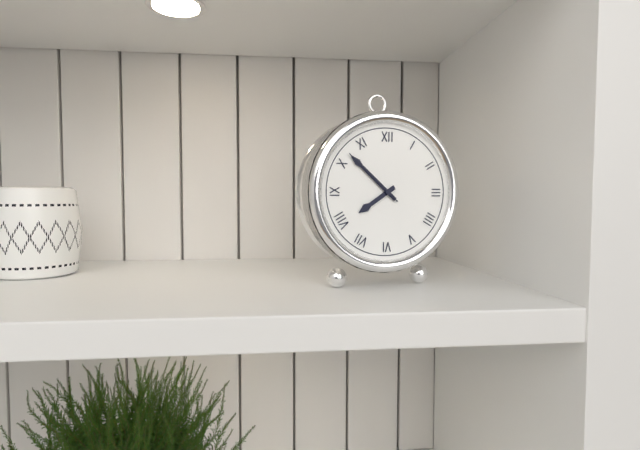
7:52:52
